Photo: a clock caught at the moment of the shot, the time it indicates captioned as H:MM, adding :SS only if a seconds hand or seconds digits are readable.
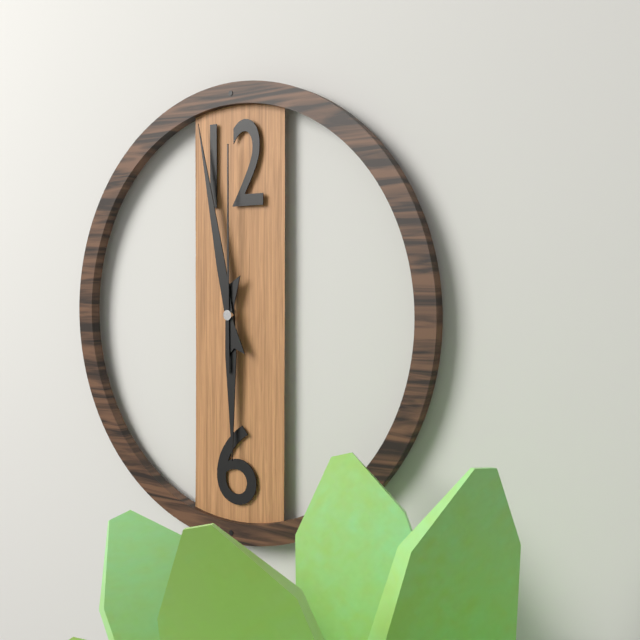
5:58:00
